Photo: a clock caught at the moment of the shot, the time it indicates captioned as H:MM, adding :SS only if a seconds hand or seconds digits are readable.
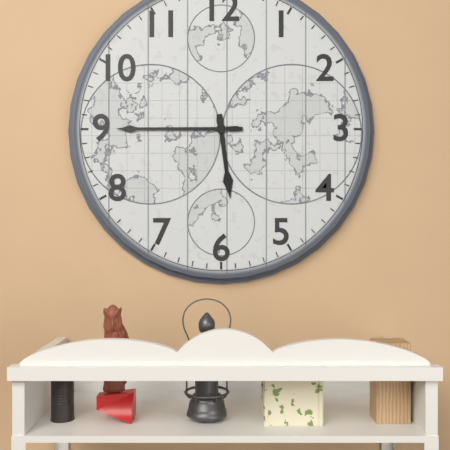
5:45
